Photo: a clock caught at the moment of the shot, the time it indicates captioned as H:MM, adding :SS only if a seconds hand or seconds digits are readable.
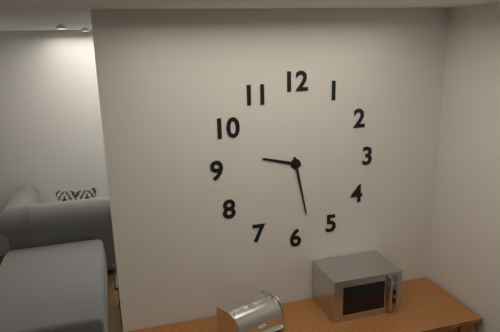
9:28
